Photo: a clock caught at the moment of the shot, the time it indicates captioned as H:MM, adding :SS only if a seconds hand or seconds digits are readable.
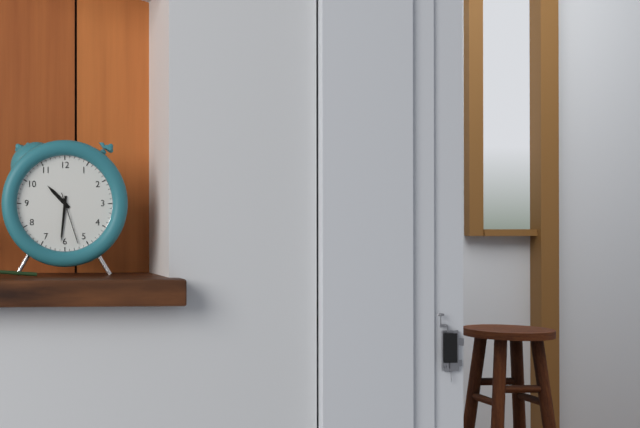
10:31:27
